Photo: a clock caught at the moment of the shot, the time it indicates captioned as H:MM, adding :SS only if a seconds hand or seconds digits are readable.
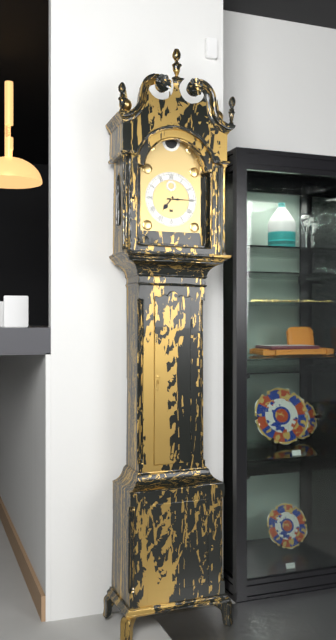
7:15
